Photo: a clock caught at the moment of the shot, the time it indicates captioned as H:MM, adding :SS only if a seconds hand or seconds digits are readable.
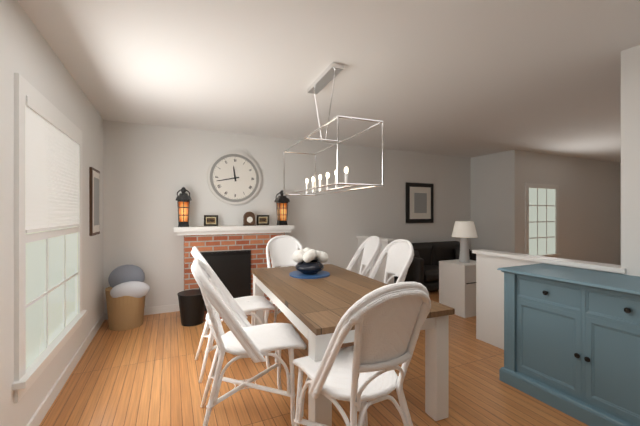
11:43
